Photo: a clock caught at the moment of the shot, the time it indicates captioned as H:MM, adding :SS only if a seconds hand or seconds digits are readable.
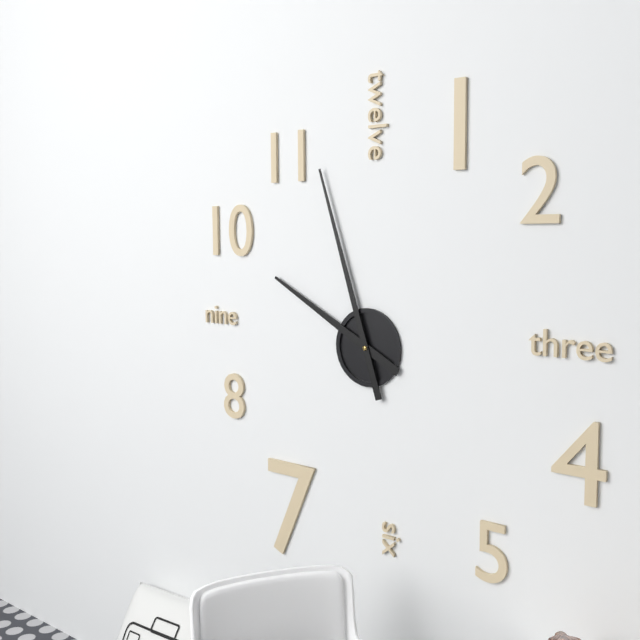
9:57
